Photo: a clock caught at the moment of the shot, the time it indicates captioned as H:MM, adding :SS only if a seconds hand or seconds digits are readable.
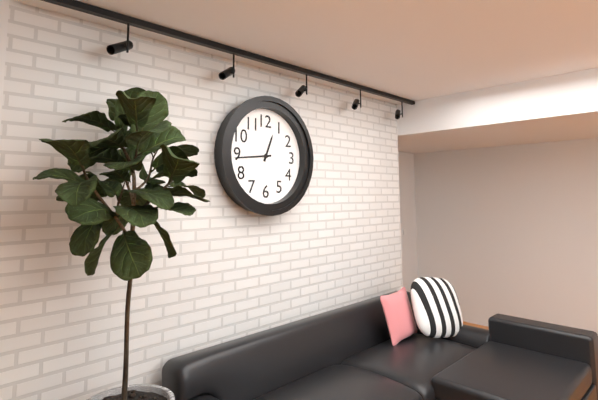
12:44
